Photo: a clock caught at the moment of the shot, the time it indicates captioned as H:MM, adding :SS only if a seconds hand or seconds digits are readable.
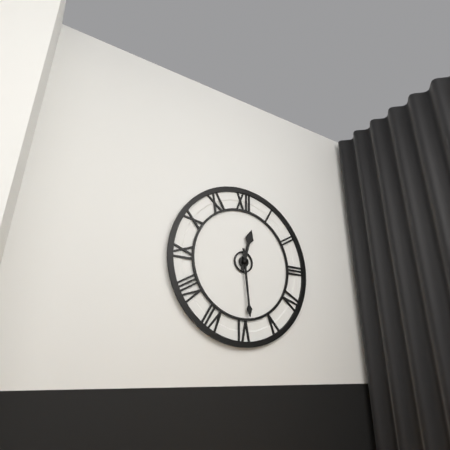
12:29
